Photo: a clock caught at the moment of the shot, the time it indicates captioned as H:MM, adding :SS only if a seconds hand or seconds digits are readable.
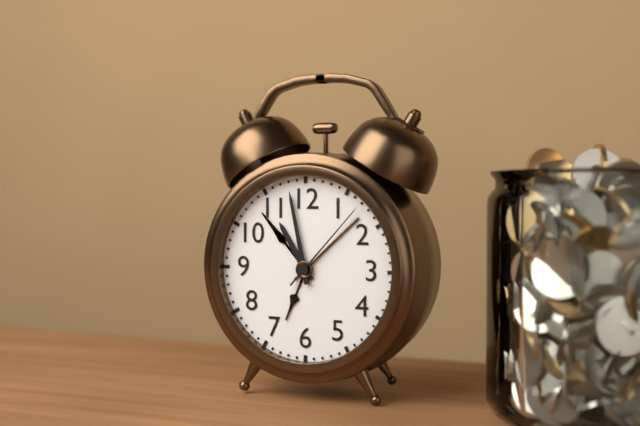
10:58:07
